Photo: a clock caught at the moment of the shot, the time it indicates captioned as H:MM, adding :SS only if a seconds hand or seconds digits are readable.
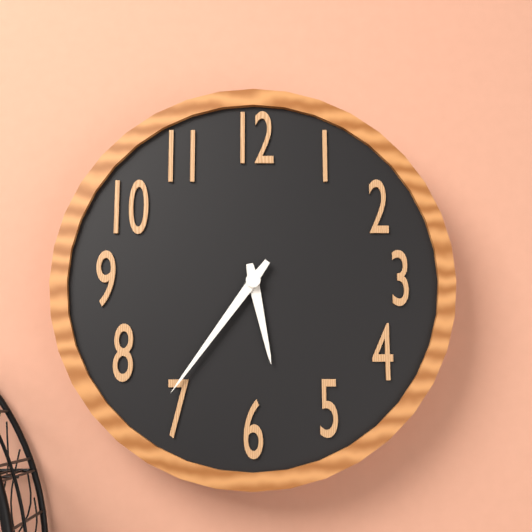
5:36
